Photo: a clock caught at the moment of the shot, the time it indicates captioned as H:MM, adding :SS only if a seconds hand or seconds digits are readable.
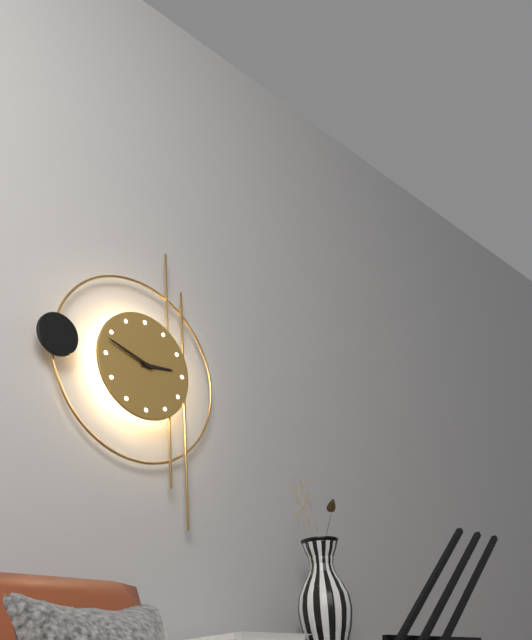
2:48
